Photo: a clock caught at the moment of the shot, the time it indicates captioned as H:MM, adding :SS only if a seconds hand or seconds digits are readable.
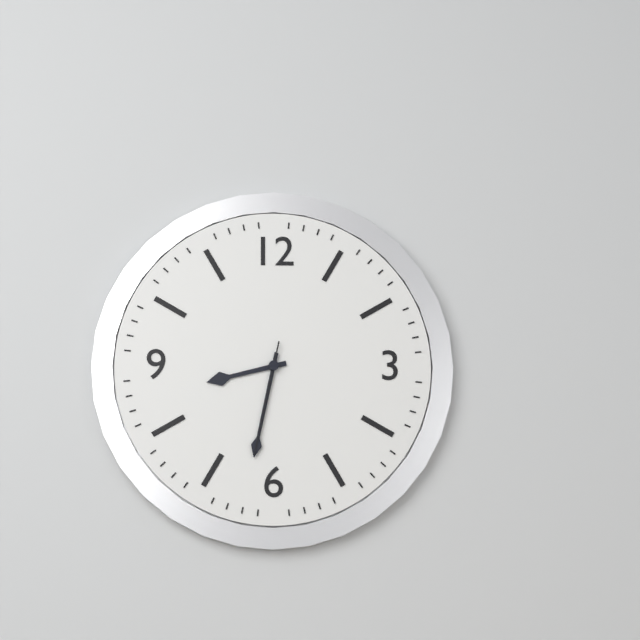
8:32:32
